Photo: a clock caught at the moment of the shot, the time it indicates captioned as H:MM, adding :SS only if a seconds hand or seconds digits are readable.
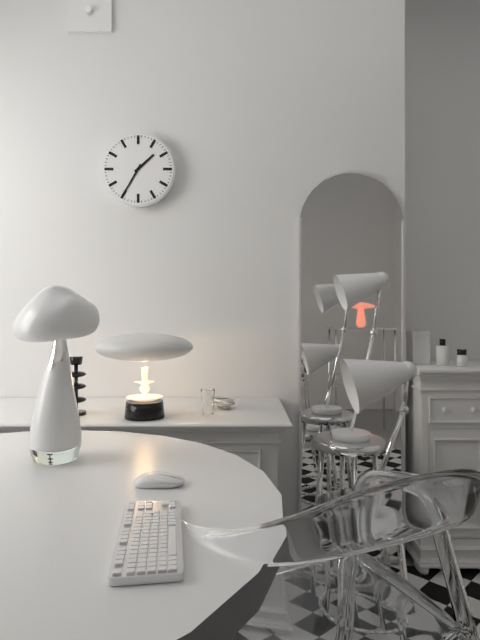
1:35
